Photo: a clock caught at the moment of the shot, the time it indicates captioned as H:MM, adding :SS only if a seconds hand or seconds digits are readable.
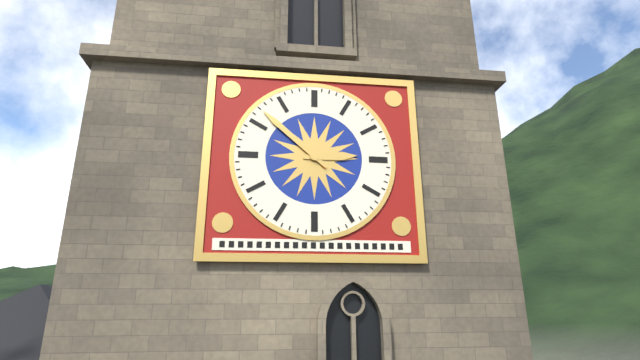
2:52
